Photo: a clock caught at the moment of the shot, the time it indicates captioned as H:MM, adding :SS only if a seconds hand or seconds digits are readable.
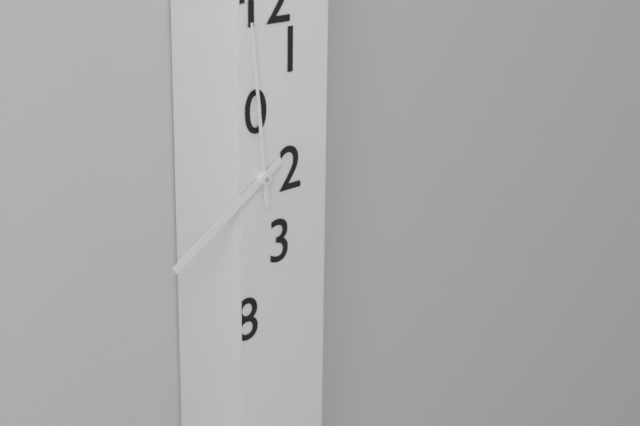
7:59
